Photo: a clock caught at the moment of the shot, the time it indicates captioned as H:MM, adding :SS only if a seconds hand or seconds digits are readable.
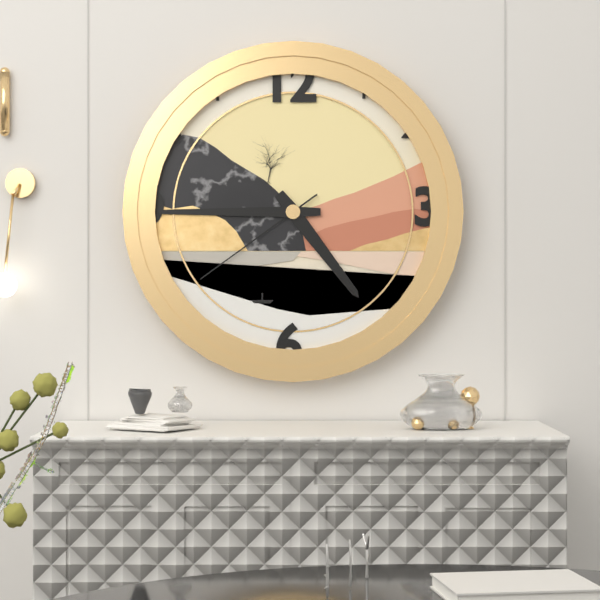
4:45:39
